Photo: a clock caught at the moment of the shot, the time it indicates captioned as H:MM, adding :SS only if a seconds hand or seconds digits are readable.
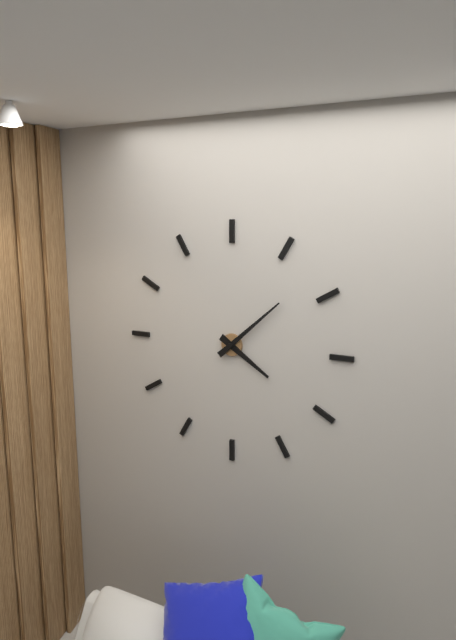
4:08
